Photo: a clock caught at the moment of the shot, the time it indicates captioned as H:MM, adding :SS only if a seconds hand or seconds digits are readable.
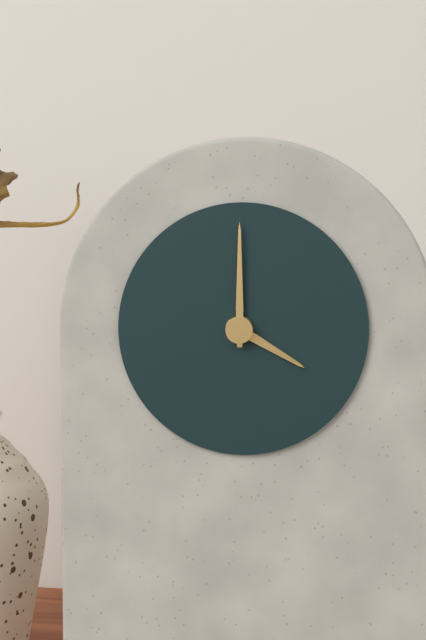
4:00
